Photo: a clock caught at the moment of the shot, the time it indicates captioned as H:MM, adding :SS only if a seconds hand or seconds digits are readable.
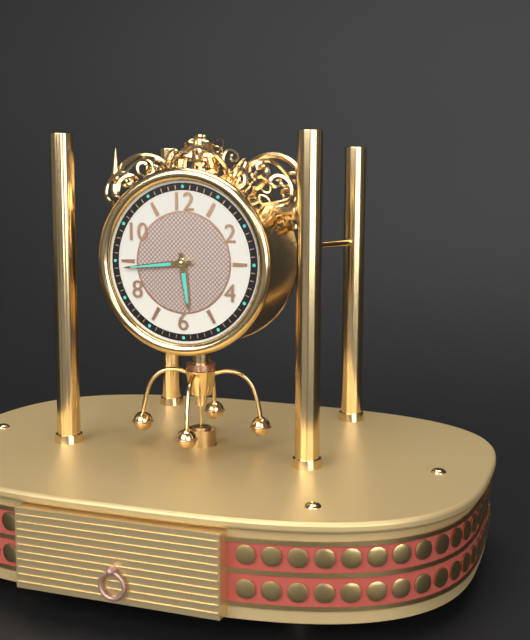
5:44
